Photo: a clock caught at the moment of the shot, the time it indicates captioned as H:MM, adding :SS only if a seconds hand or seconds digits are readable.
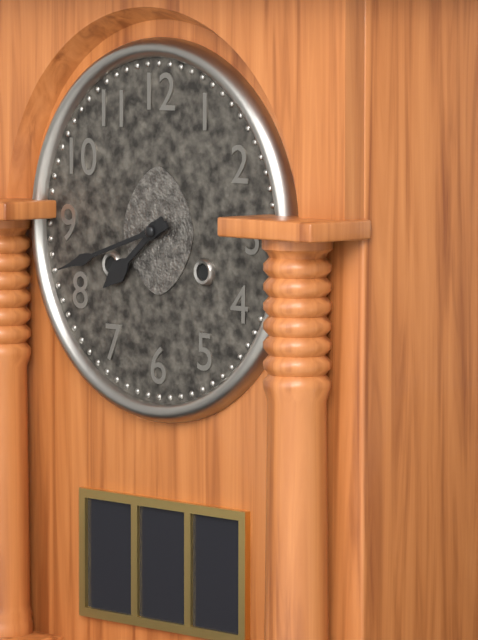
7:42
